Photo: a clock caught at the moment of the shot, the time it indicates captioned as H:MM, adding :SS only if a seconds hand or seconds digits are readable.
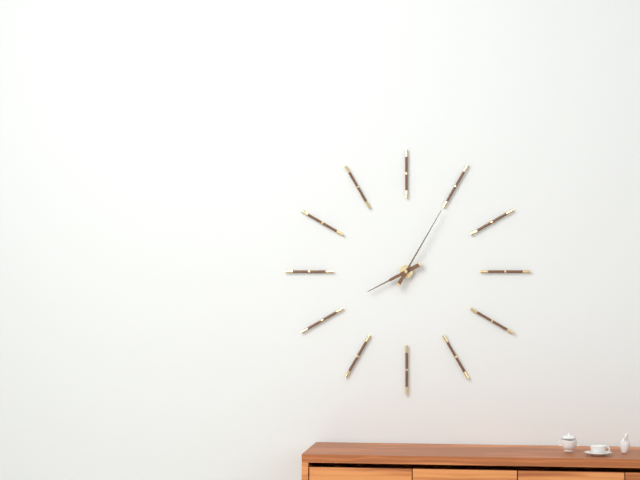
8:05
